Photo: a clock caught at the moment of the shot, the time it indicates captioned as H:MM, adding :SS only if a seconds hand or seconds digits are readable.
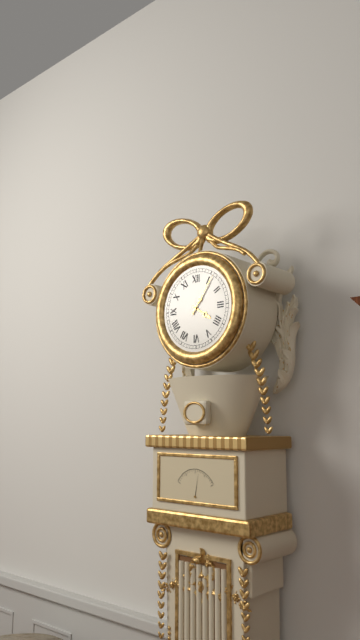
4:06
